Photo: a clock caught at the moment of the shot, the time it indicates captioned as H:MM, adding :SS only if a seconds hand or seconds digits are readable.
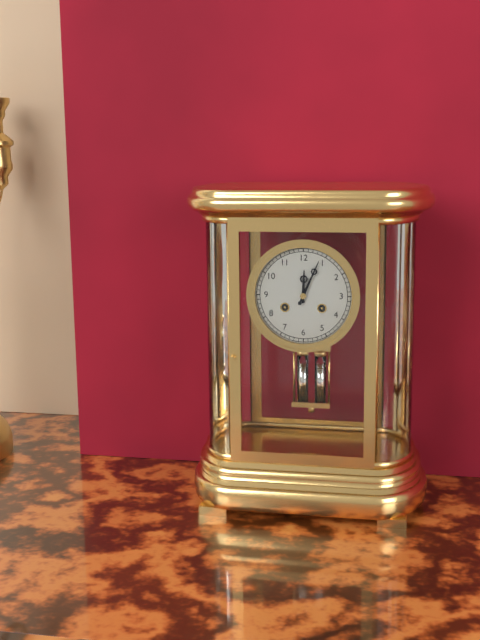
12:04
